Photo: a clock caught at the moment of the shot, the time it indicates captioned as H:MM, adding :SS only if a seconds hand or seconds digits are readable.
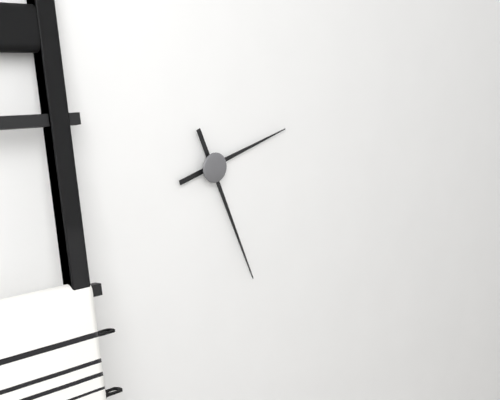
2:26
